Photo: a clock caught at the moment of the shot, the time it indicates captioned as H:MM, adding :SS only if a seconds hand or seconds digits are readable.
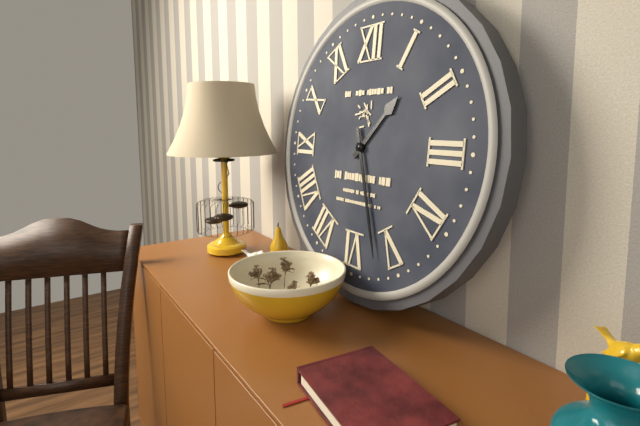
1:27
